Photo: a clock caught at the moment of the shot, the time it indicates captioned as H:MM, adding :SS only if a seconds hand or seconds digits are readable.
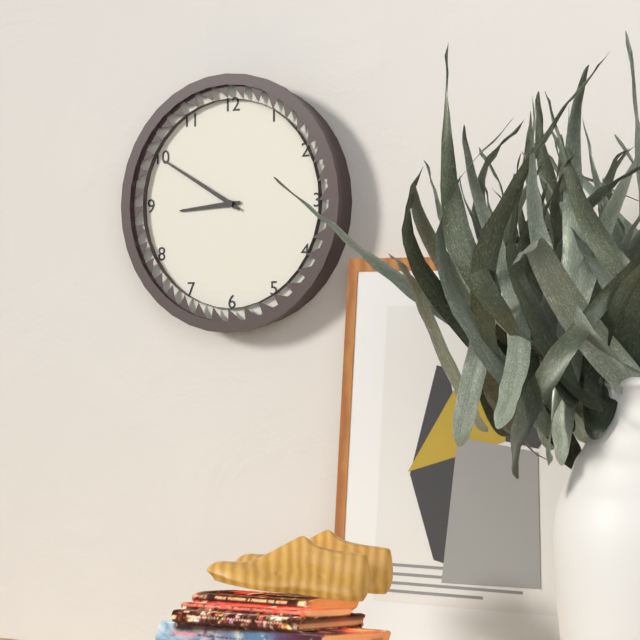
8:50
